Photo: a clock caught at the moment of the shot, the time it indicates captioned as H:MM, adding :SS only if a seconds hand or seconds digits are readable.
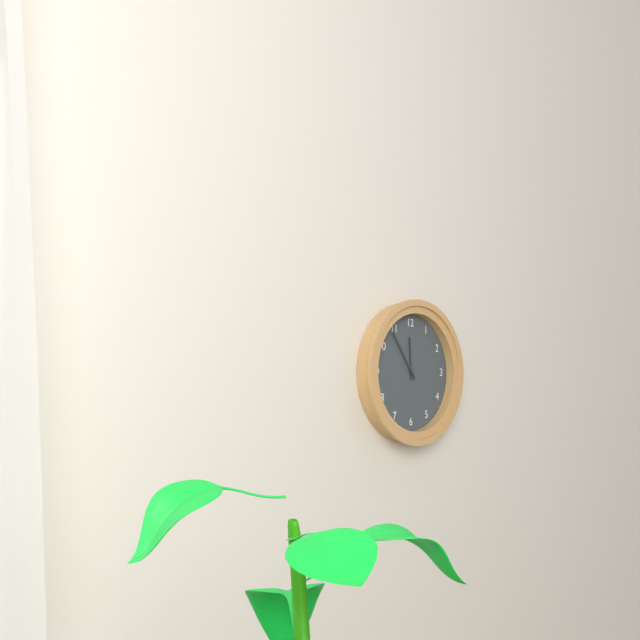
11:54
